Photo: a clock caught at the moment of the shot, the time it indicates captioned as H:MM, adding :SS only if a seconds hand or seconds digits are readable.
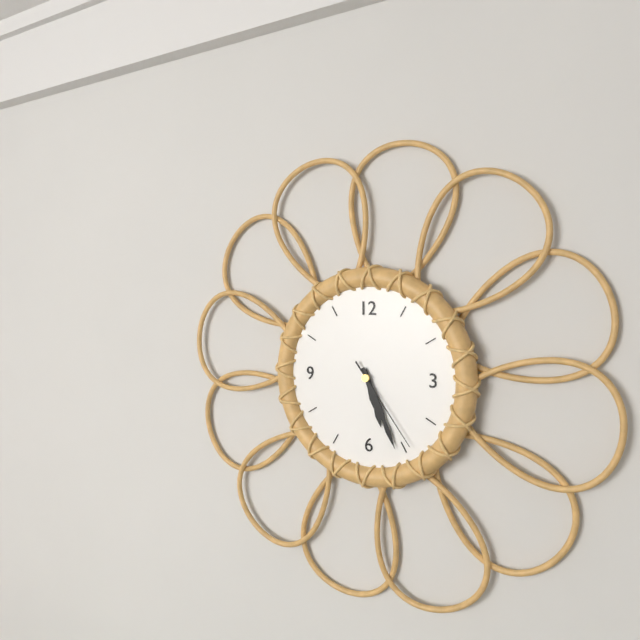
5:26:24
